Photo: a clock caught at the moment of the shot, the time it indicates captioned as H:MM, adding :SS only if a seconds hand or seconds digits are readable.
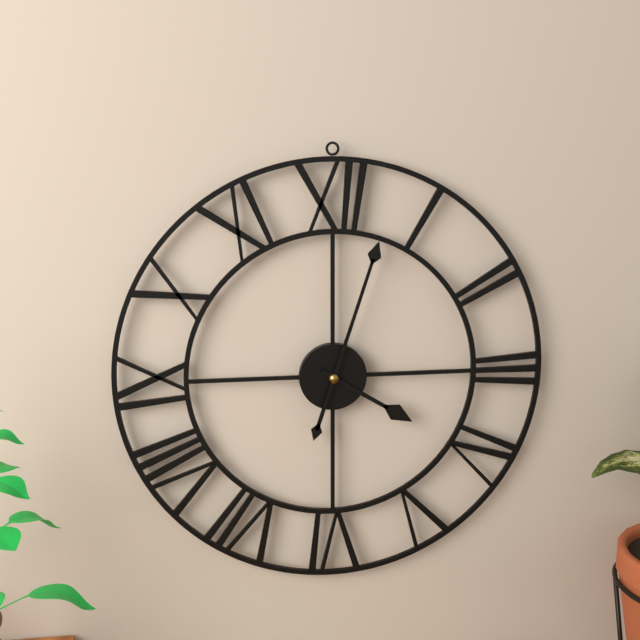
4:03
